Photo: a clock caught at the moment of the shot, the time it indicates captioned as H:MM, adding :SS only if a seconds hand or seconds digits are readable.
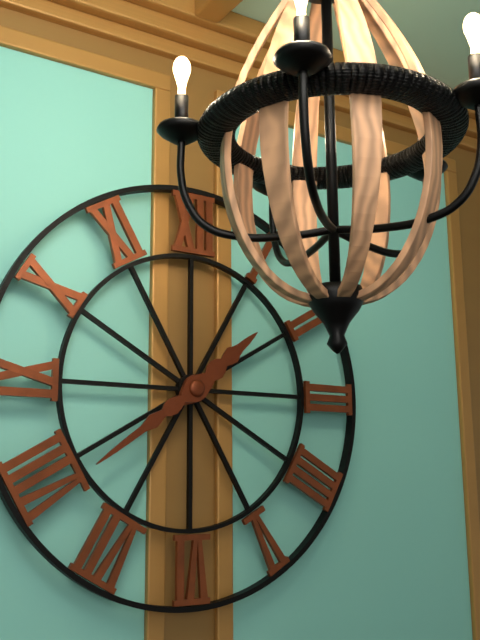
1:39
